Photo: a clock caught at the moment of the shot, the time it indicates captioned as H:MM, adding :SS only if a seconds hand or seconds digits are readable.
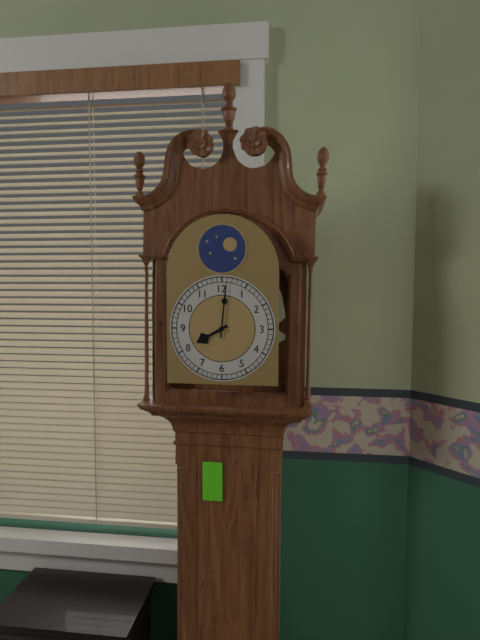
8:01
